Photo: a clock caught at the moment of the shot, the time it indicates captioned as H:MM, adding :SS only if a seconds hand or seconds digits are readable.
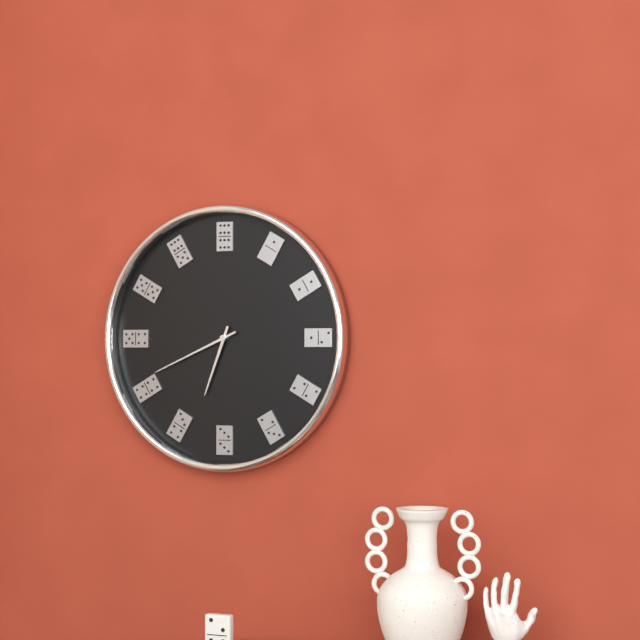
6:41
